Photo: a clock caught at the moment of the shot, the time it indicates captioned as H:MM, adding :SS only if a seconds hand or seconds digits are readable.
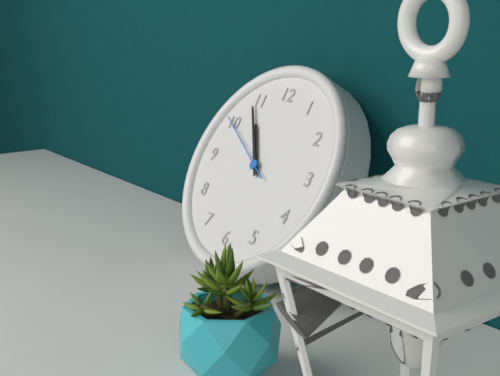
10:54:50
